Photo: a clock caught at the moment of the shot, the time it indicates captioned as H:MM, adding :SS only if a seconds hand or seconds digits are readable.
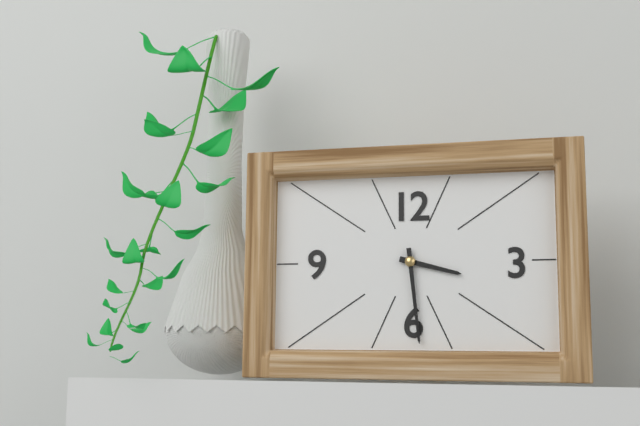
3:29
